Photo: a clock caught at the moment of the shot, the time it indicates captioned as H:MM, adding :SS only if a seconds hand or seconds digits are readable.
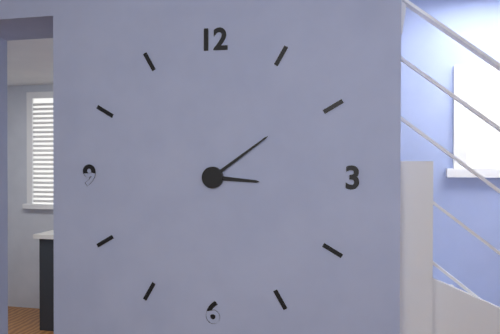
3:09
